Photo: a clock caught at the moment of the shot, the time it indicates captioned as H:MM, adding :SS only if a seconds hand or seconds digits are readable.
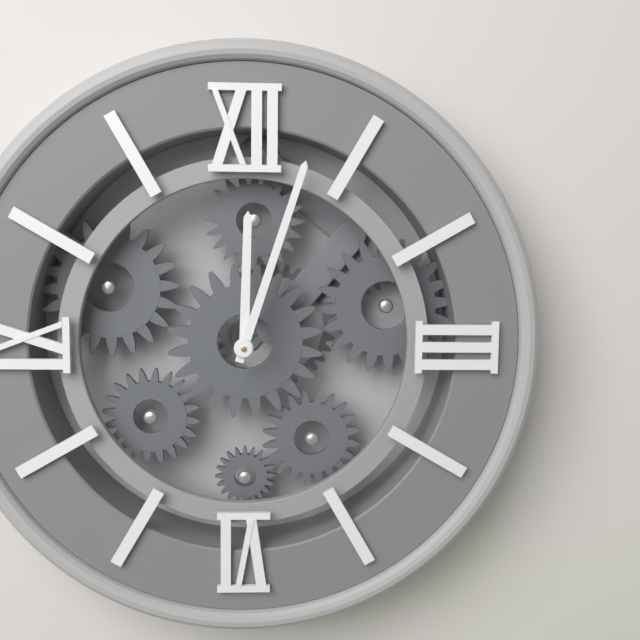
12:03
